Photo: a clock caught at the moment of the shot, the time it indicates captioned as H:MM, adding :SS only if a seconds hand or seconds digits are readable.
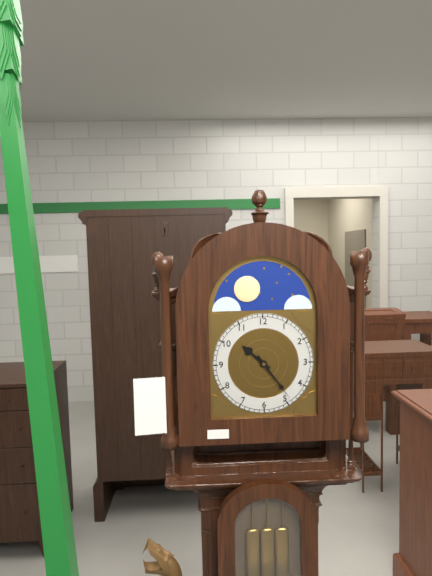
10:24
